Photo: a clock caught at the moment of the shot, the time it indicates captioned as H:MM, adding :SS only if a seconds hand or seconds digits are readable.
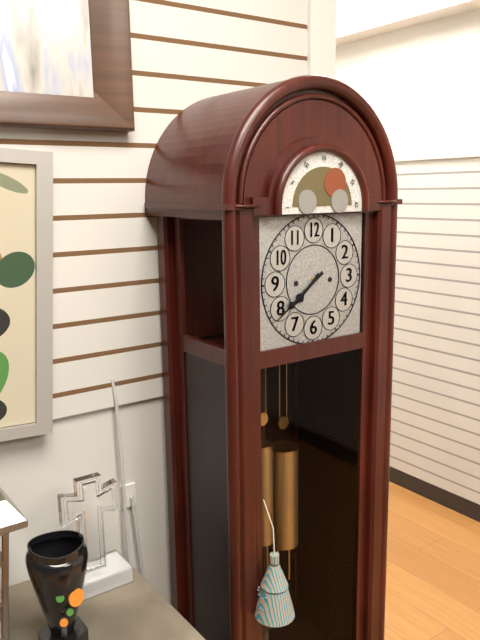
7:39
